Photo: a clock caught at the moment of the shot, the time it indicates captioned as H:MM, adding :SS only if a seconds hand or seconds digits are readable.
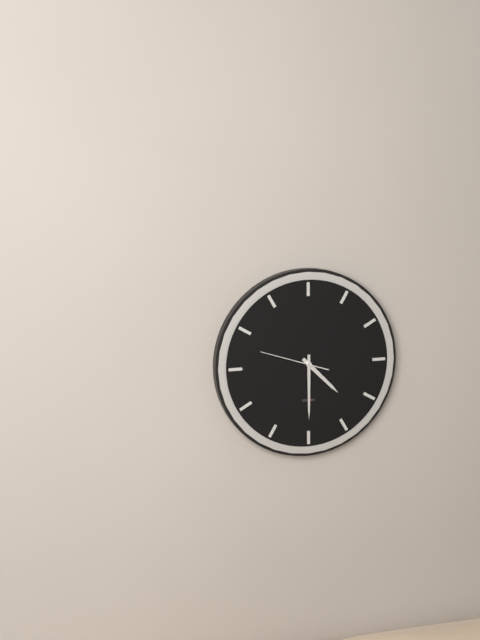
4:30:48
